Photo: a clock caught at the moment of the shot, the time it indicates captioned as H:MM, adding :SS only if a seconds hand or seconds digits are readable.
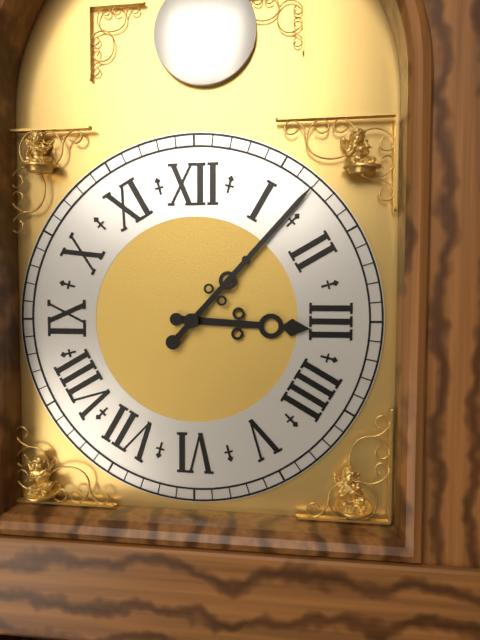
3:07
